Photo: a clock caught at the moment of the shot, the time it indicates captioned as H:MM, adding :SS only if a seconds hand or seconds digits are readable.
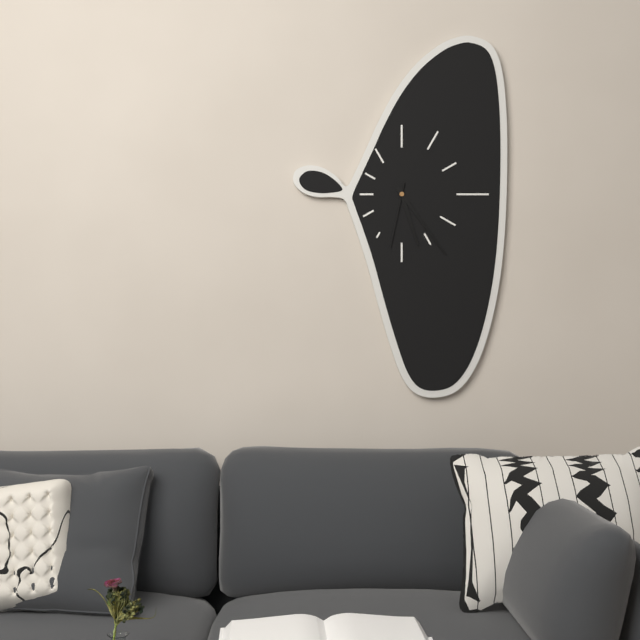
5:24:32
